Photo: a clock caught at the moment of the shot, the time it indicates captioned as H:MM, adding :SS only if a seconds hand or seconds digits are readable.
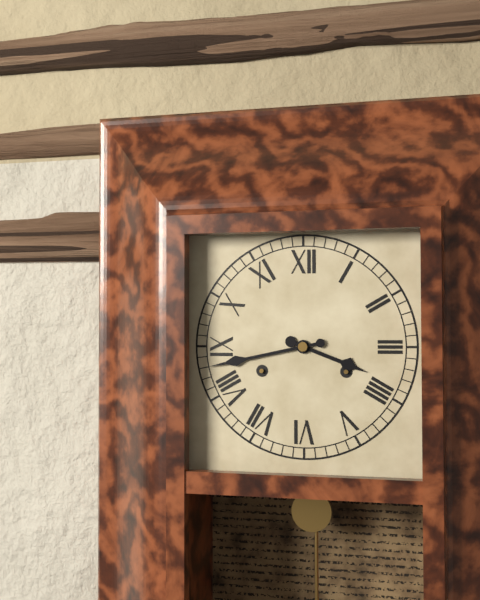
3:43
